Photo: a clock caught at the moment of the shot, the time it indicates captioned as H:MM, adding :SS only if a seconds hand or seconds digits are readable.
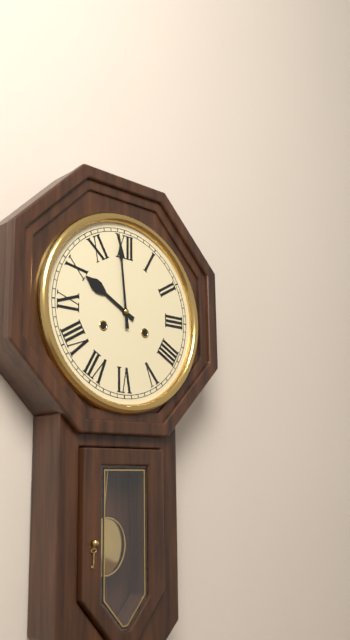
9:59
